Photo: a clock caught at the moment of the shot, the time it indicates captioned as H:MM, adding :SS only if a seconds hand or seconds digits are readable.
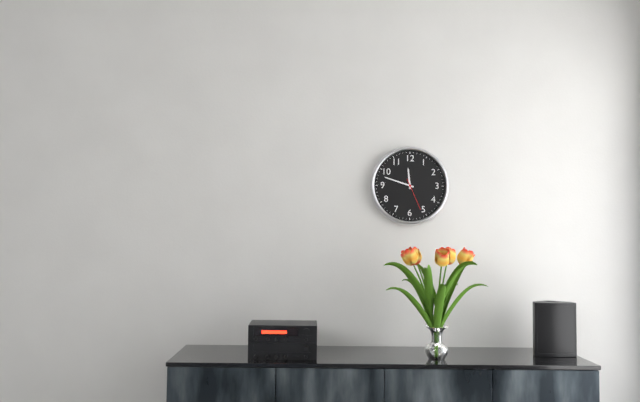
11:48
